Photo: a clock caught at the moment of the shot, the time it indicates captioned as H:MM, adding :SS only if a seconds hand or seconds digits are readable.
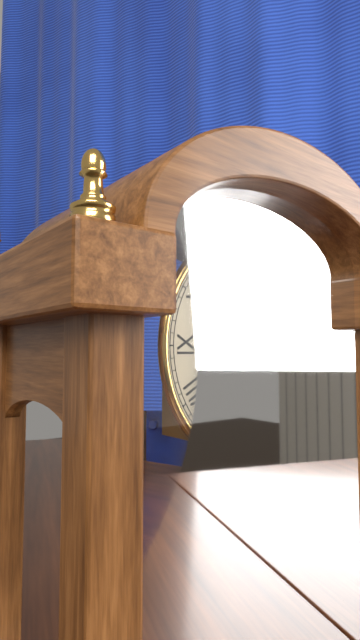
12:10
